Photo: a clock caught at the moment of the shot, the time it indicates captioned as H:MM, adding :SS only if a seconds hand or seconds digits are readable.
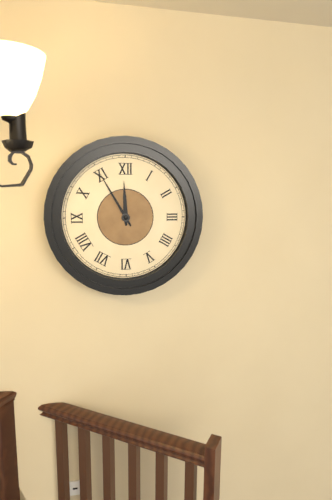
11:55
